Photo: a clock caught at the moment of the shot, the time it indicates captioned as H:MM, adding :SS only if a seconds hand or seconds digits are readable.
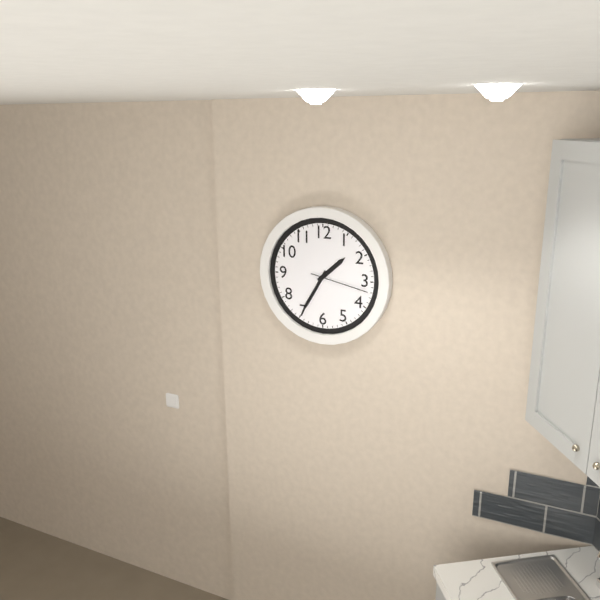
1:35:17
